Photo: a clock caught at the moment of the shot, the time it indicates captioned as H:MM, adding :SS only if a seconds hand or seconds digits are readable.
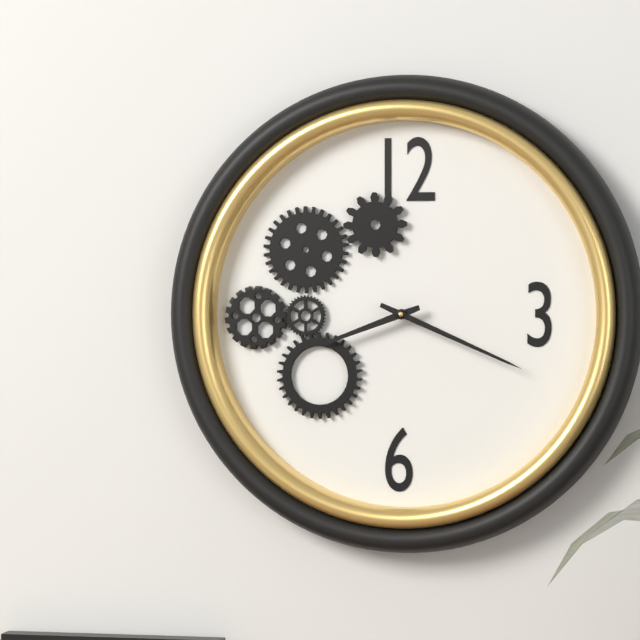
8:19
